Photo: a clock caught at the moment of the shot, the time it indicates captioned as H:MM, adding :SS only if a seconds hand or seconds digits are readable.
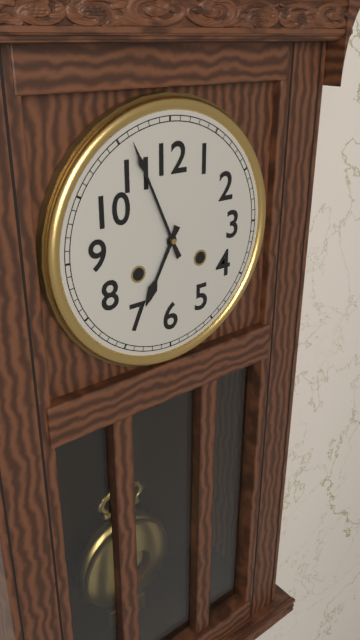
6:56
